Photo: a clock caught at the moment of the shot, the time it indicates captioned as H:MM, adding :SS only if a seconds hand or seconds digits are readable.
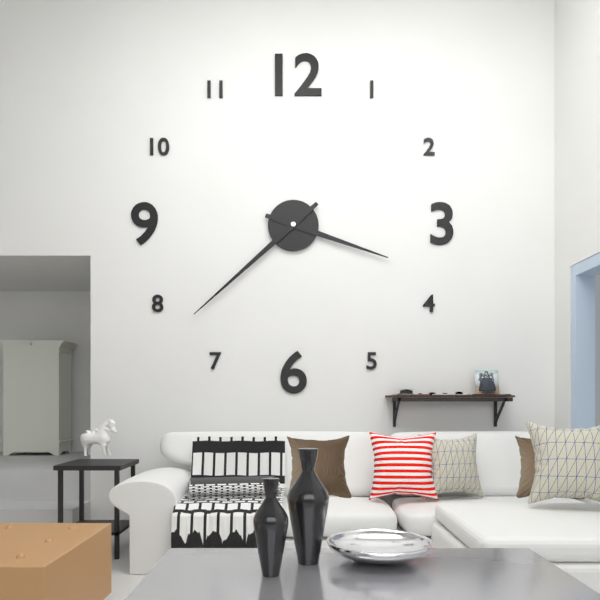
3:38
